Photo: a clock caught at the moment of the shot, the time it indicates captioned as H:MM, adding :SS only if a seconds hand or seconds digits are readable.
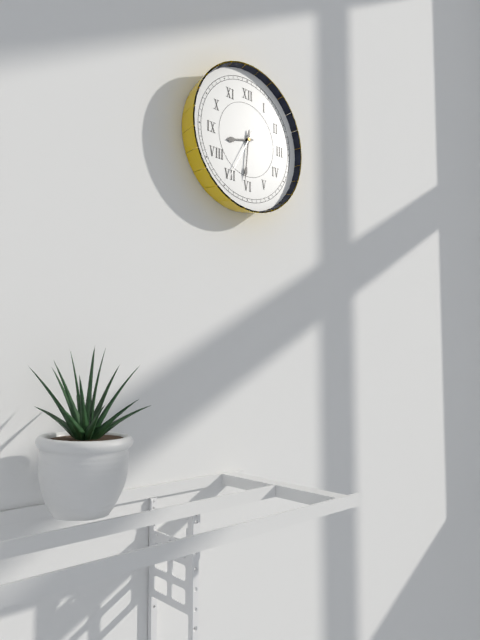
8:31:35
